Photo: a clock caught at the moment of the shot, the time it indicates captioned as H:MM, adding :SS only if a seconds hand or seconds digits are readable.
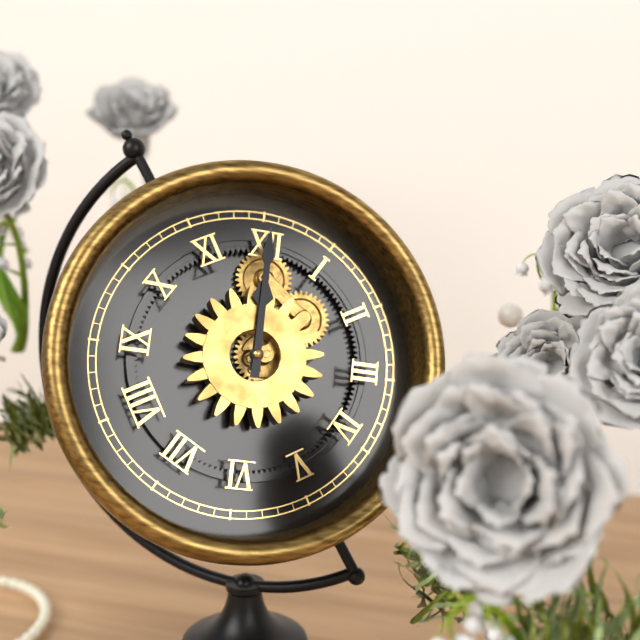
12:00
